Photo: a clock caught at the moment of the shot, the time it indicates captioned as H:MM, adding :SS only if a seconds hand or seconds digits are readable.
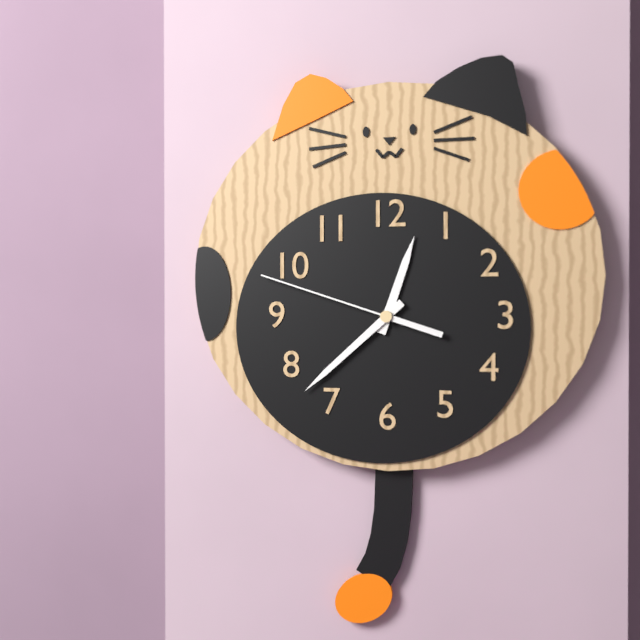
12:38:48
